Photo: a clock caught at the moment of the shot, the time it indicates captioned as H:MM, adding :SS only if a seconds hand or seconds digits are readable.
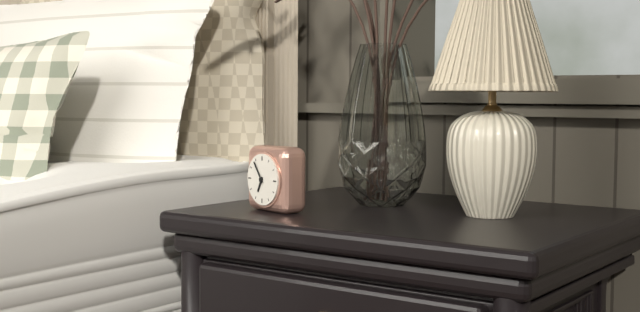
6:54
